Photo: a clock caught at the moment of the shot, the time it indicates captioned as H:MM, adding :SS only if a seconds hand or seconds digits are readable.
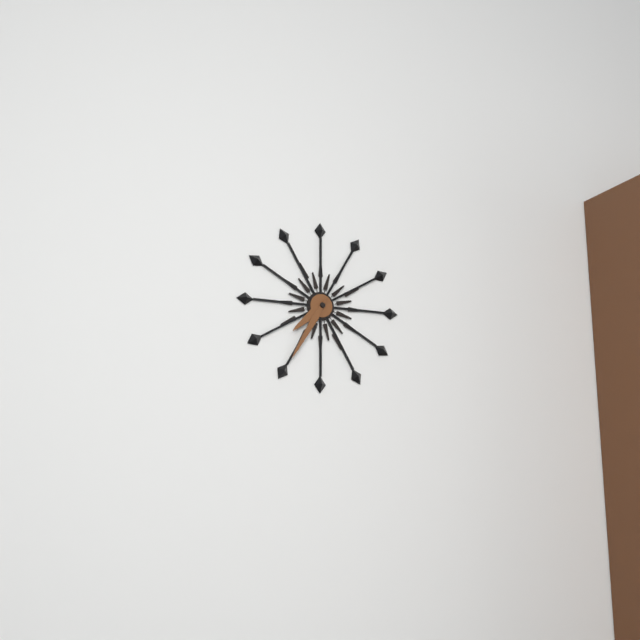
7:35
